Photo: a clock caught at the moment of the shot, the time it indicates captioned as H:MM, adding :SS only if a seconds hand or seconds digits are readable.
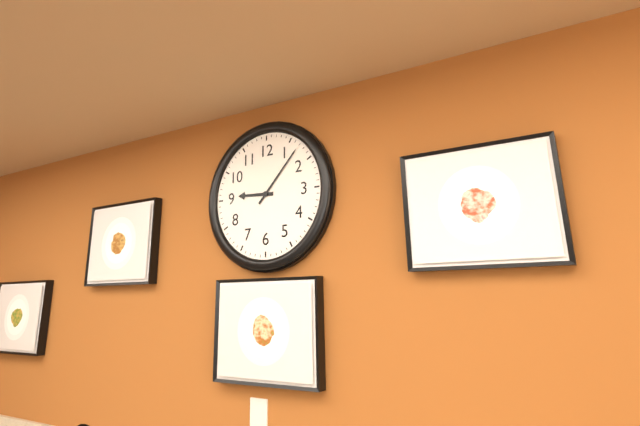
9:07
